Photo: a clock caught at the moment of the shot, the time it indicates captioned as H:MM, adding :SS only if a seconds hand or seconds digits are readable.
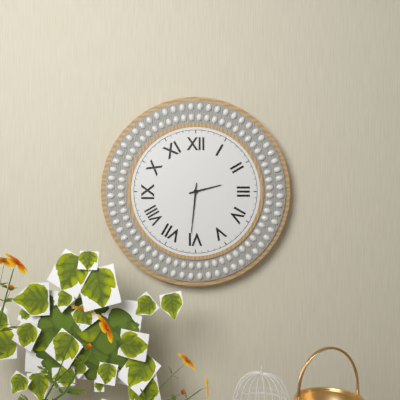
2:31
